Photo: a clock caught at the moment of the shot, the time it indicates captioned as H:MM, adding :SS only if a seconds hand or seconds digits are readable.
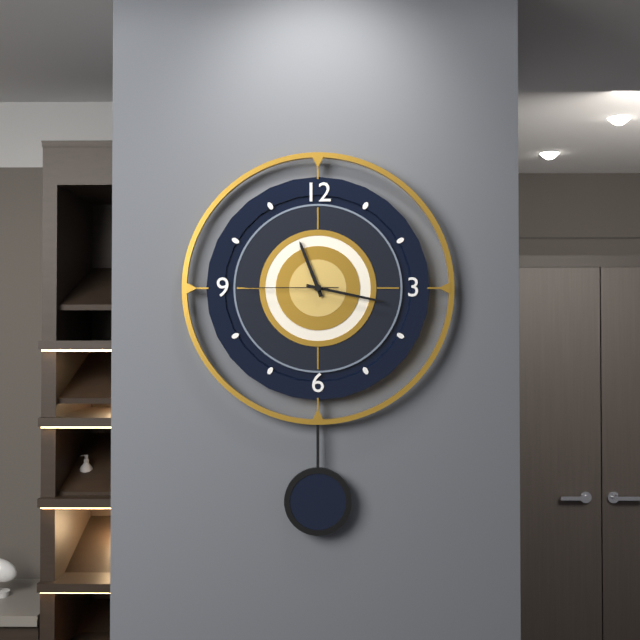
11:17:45
